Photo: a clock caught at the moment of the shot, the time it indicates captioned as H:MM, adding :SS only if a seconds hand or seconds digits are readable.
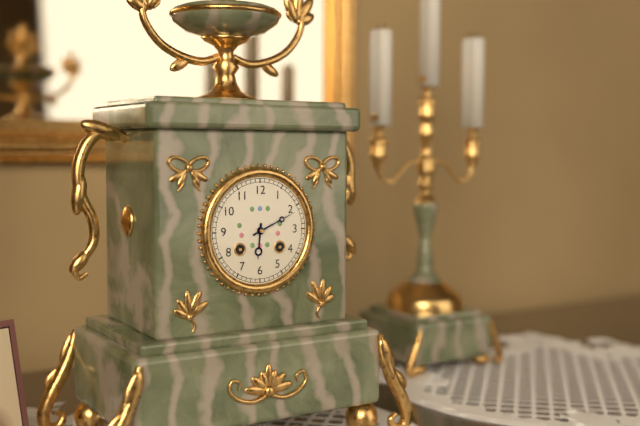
6:11
